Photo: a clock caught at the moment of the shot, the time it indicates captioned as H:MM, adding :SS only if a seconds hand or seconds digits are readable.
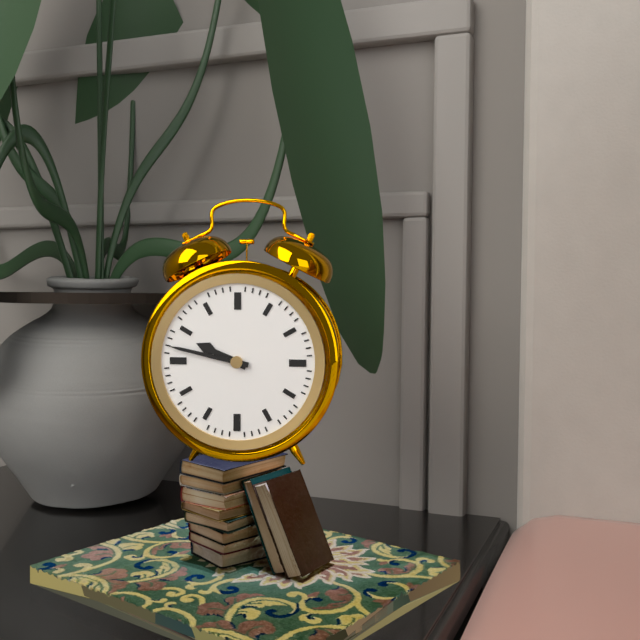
9:47
